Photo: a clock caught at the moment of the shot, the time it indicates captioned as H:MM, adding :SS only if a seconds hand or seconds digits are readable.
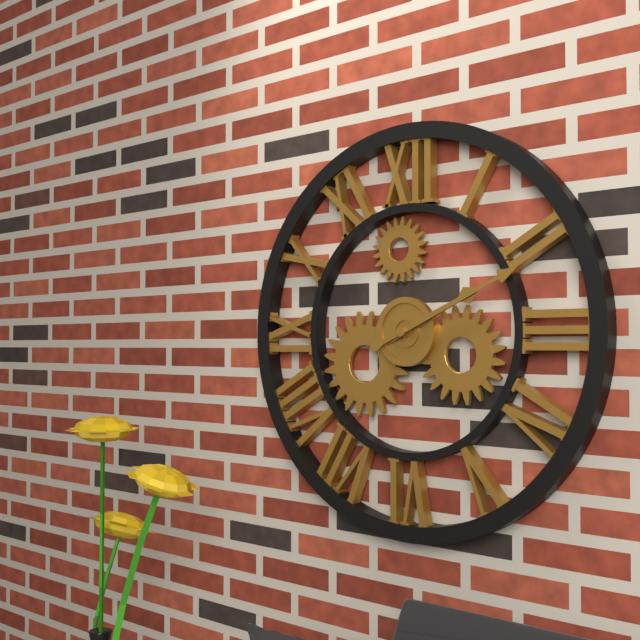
2:11
